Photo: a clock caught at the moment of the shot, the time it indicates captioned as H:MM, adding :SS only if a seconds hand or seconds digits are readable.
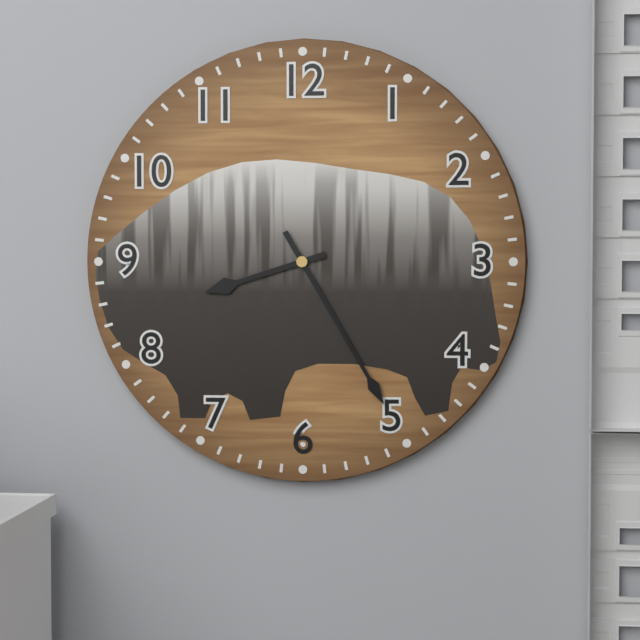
8:25
